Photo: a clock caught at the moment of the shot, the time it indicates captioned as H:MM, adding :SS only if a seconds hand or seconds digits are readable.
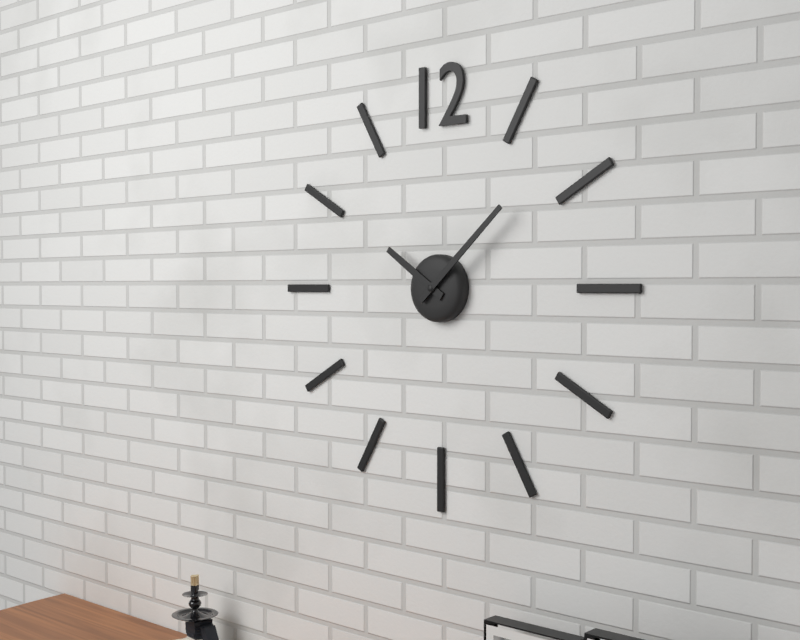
10:08
